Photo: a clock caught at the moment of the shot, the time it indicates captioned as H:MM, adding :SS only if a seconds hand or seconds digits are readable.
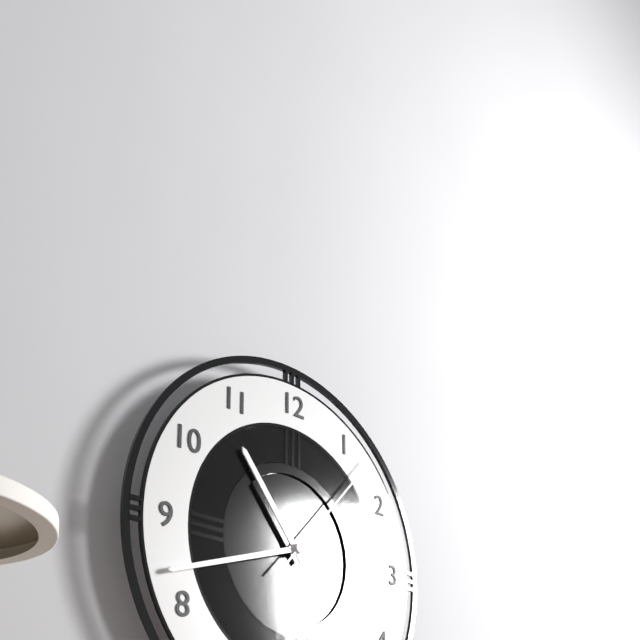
10:42:07
